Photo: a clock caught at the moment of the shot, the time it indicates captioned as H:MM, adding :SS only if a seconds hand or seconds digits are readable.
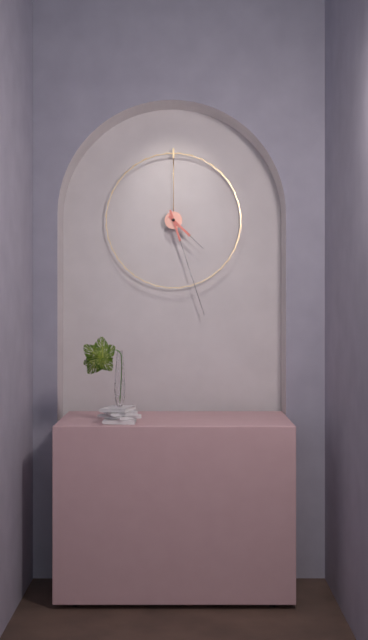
4:27
